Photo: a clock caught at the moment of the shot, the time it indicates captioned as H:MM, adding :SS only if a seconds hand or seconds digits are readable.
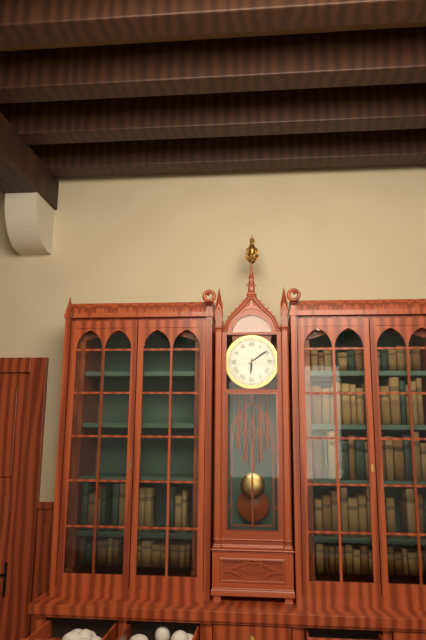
6:09
